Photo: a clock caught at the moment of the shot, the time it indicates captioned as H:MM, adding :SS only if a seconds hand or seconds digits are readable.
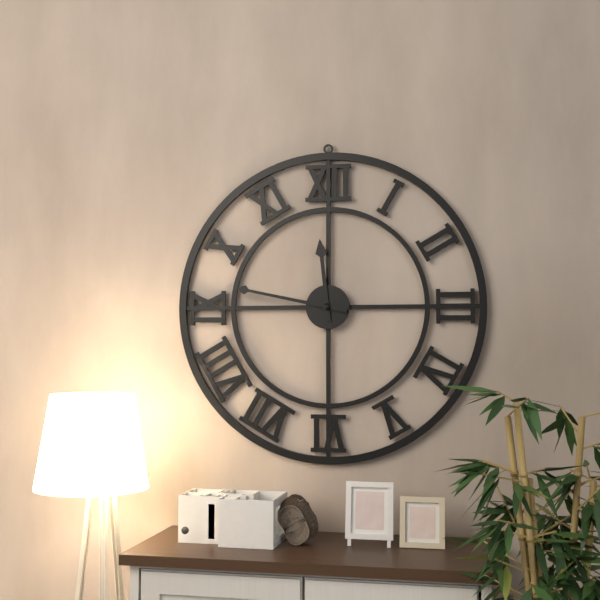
11:47
